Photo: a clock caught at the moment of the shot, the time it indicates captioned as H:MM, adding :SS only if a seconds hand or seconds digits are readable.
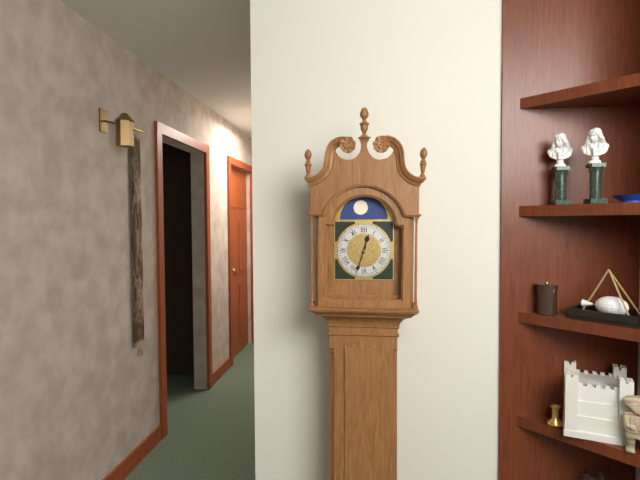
12:33
